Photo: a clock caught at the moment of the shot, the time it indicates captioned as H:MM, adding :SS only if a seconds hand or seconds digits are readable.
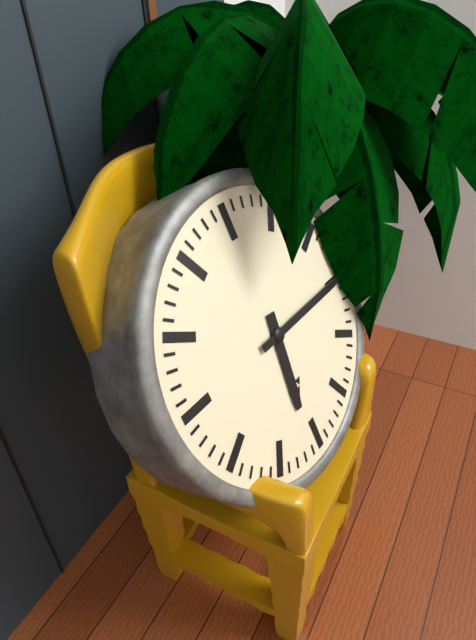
6:15
